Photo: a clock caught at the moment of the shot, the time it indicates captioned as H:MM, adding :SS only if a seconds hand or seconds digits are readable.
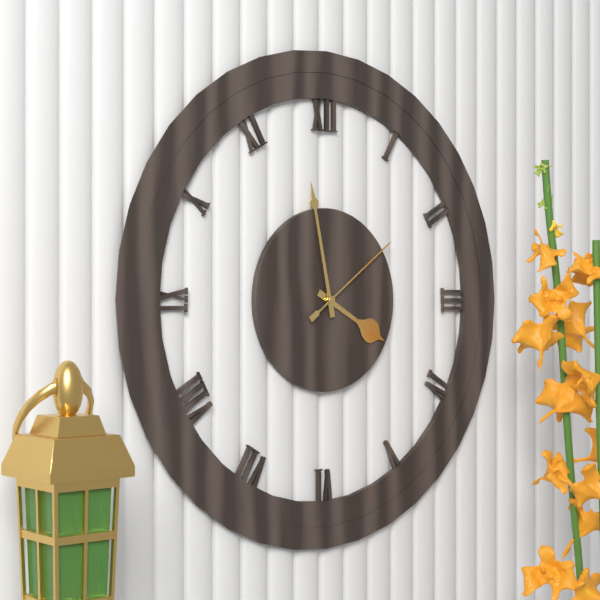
3:58:09
